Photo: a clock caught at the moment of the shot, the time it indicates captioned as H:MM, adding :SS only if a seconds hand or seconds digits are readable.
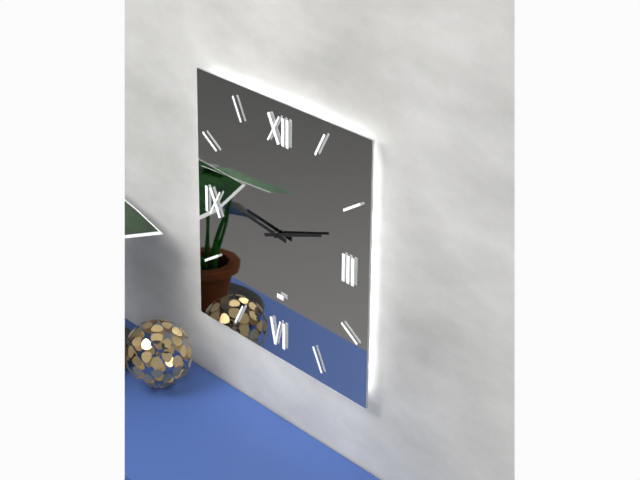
9:12
